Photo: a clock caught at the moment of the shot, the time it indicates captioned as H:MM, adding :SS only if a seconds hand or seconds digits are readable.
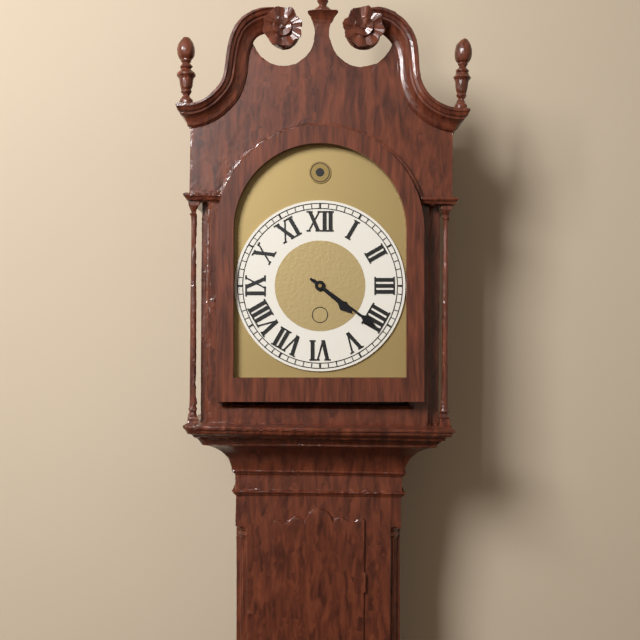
4:21
